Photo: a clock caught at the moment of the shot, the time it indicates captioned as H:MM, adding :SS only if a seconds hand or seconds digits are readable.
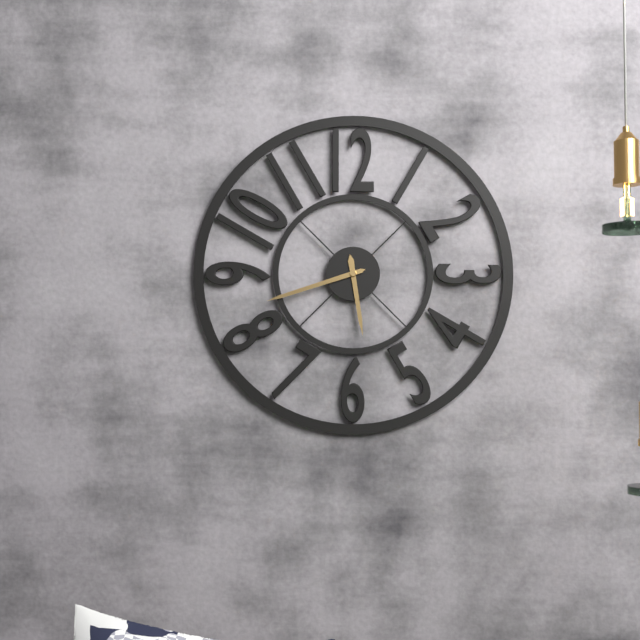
5:42
